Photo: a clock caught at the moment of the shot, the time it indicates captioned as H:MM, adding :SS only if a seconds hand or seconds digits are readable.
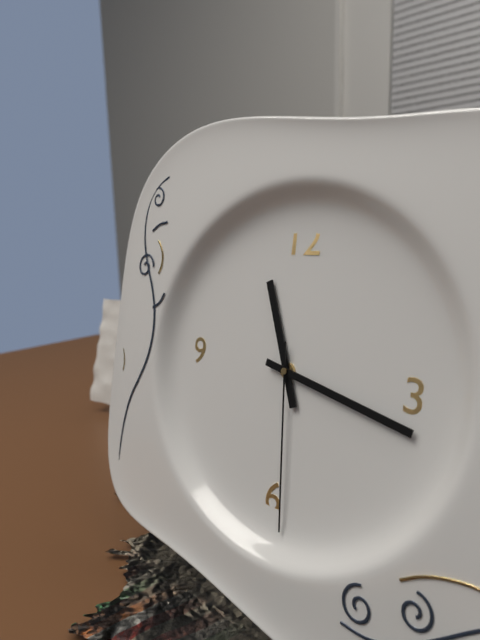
11:17:29
